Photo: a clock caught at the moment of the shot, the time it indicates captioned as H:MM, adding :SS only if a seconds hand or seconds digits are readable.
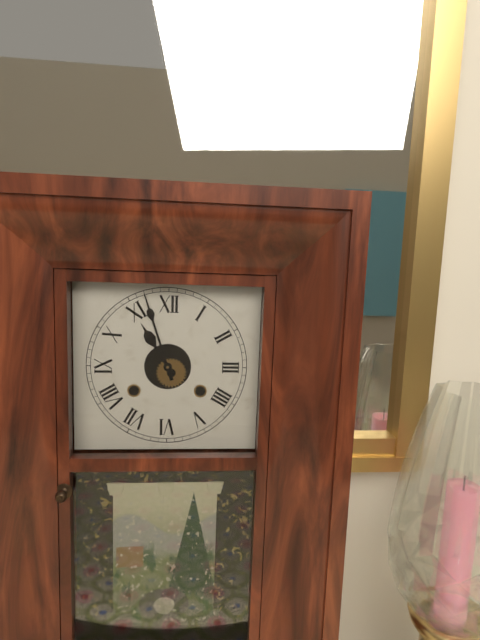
10:57
